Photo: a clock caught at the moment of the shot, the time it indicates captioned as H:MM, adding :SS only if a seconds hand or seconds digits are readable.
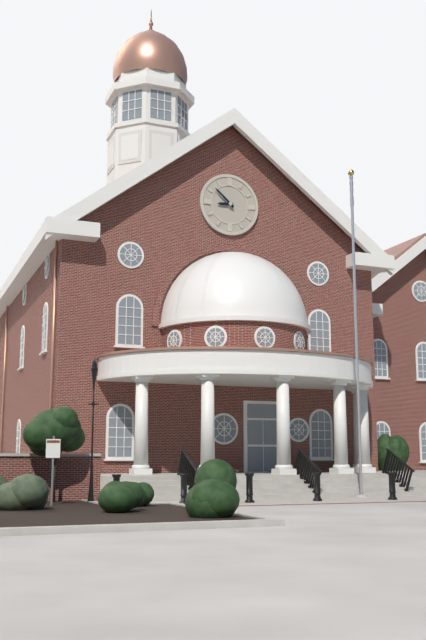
8:52
